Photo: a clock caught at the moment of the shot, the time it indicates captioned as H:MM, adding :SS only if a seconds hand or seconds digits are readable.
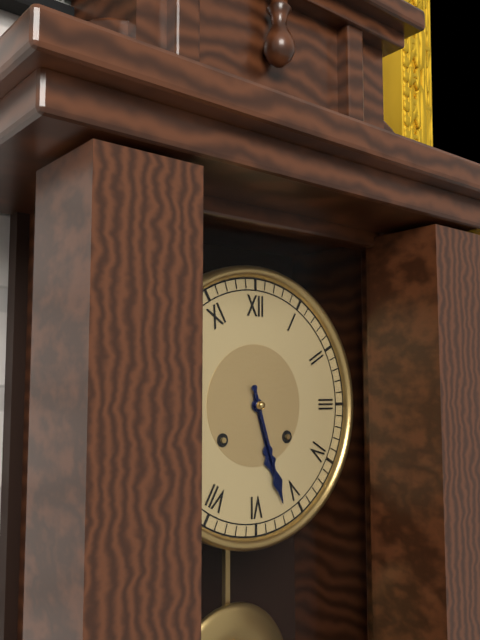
5:27
